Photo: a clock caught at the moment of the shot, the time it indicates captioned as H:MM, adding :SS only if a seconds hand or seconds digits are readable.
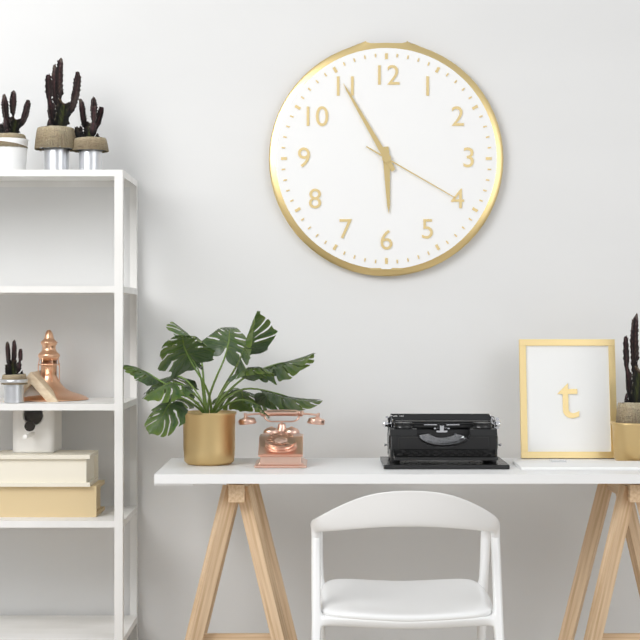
5:55:20
